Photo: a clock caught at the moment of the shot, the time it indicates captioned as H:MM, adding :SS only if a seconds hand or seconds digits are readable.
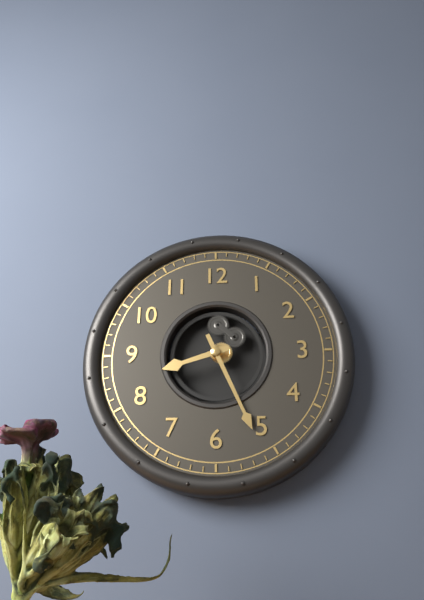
8:26
